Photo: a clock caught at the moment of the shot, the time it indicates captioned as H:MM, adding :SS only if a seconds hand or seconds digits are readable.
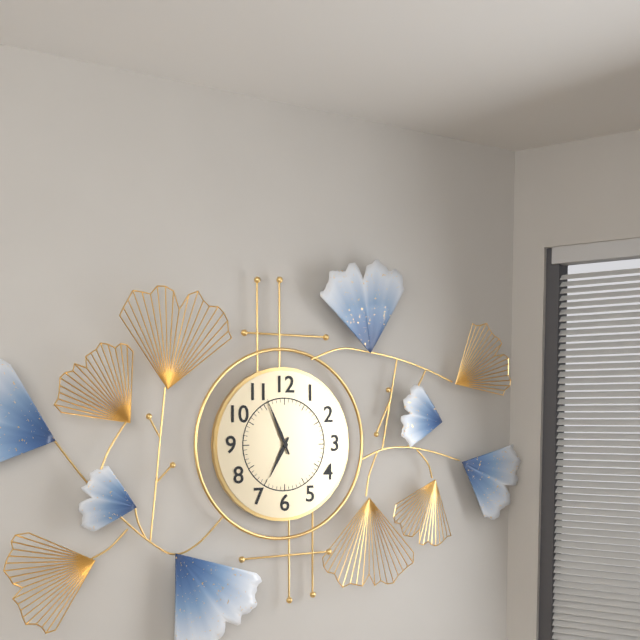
6:56
